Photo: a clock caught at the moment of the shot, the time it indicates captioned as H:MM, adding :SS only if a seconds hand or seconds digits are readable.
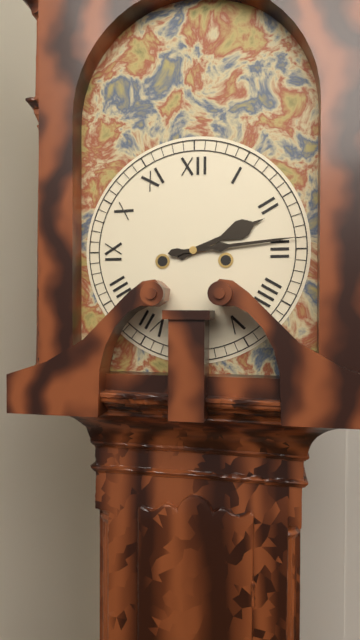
2:14
